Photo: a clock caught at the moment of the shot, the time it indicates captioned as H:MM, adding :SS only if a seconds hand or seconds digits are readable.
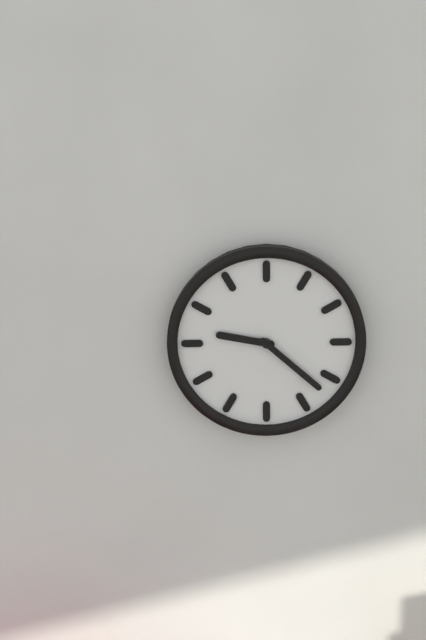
9:22
